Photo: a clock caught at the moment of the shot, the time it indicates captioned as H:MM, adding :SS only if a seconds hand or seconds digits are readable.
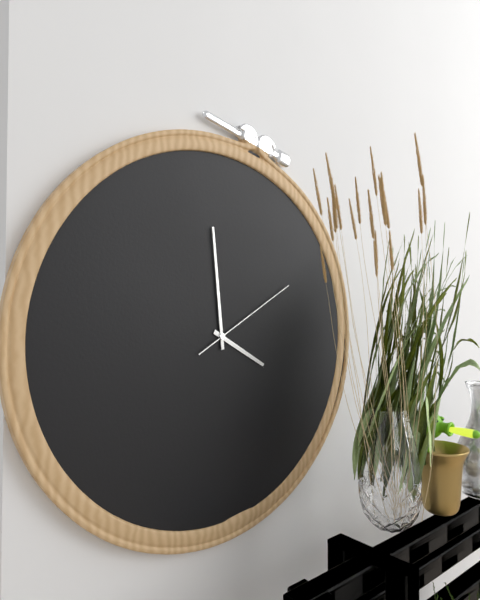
3:59:10
